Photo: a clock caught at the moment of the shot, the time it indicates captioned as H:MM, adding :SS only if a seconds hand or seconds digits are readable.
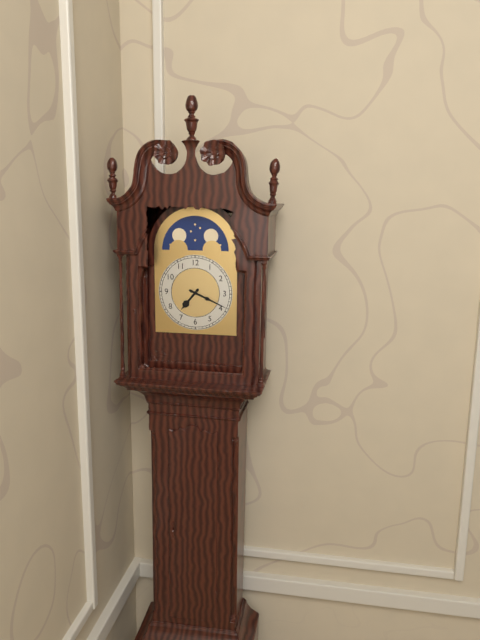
7:19
